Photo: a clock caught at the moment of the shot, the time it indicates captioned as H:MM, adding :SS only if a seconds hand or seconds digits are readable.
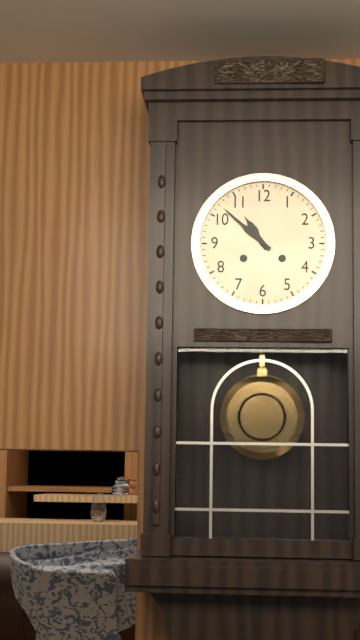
10:52
